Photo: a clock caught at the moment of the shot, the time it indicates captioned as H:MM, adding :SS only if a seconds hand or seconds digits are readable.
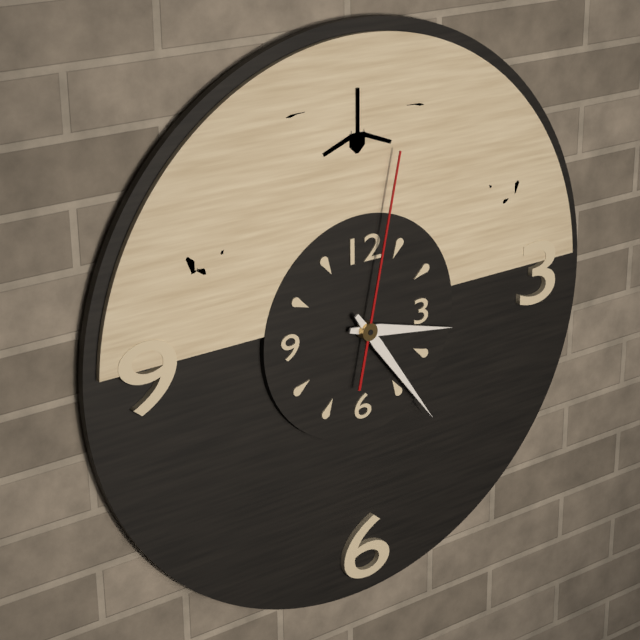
3:24:02
